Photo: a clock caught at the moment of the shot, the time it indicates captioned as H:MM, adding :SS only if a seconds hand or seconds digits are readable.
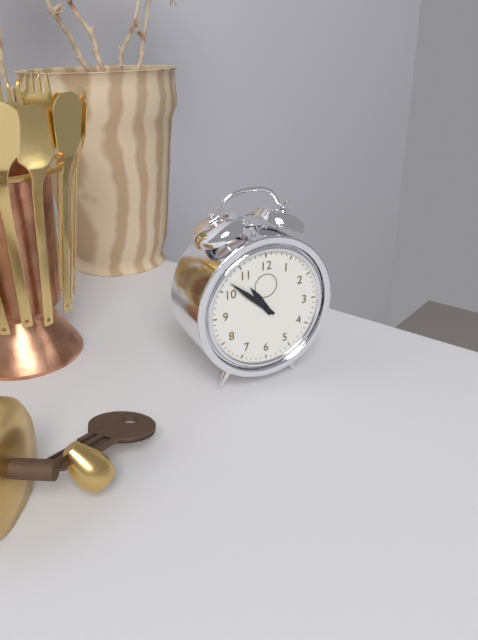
10:52
